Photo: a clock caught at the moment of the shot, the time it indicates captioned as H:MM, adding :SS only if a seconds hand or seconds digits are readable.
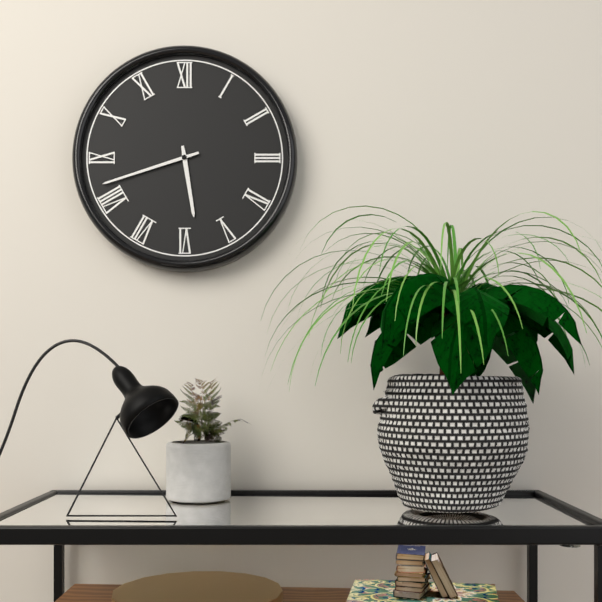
5:42
